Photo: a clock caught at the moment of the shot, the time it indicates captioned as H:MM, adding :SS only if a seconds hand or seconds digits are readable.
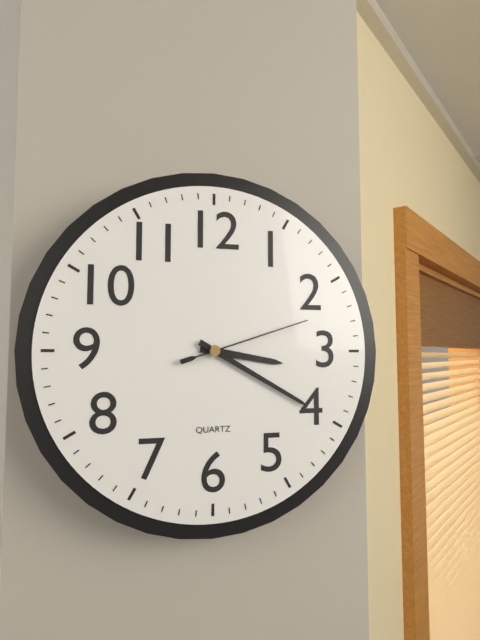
3:20:12
